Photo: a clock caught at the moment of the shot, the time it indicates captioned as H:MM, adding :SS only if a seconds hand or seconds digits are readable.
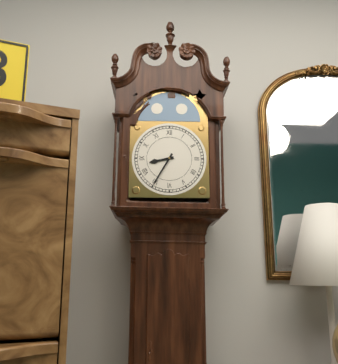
8:35
